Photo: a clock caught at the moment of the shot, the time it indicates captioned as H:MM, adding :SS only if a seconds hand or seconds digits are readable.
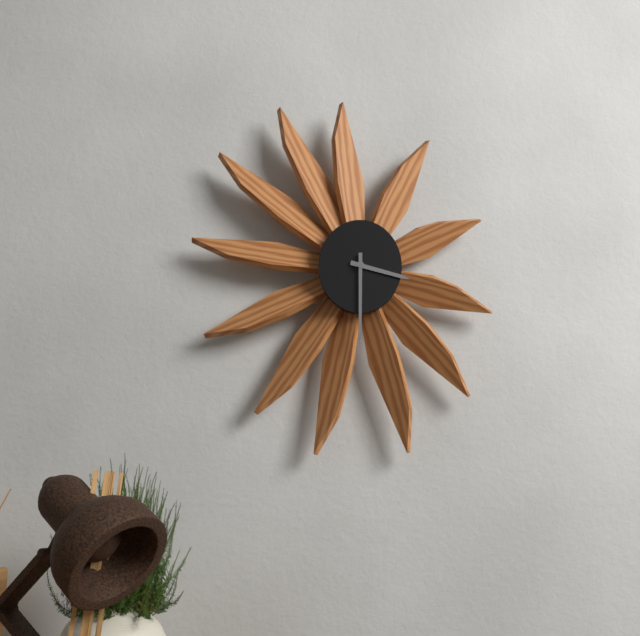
3:30
